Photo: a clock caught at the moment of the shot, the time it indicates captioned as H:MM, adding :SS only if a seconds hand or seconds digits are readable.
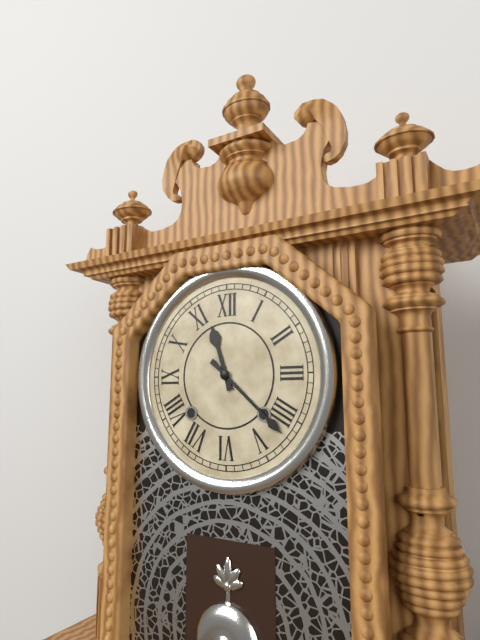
11:22
